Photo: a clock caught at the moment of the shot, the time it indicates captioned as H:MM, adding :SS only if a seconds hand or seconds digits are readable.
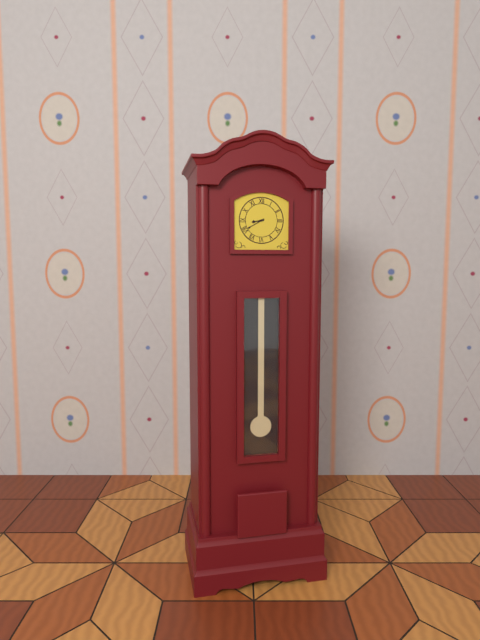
8:40
